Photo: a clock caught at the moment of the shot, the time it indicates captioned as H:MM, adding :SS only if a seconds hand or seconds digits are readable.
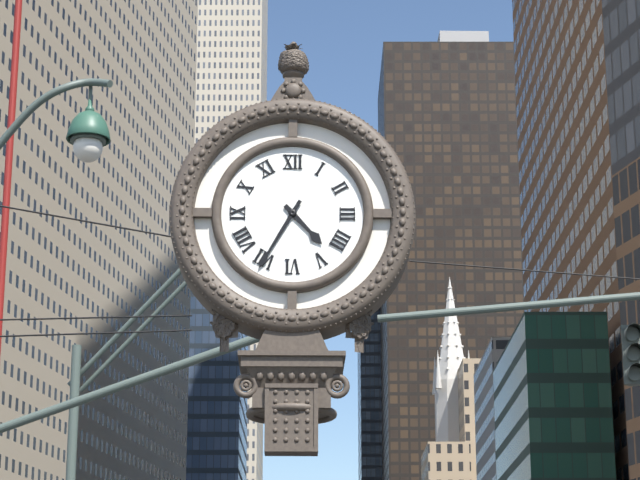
4:35
